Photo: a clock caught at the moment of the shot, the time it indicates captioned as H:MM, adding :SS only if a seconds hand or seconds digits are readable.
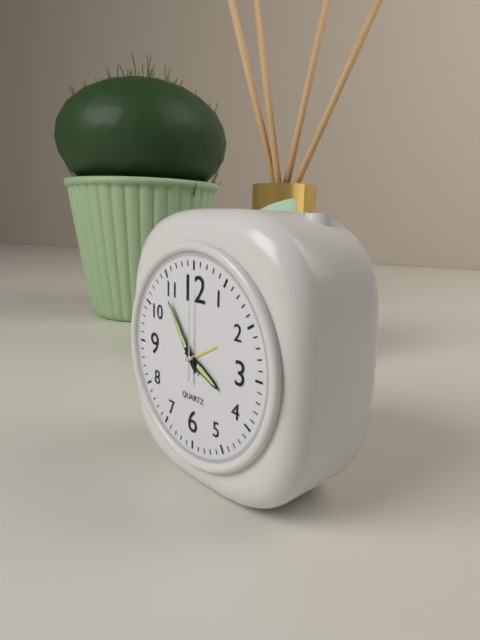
3:54:00
